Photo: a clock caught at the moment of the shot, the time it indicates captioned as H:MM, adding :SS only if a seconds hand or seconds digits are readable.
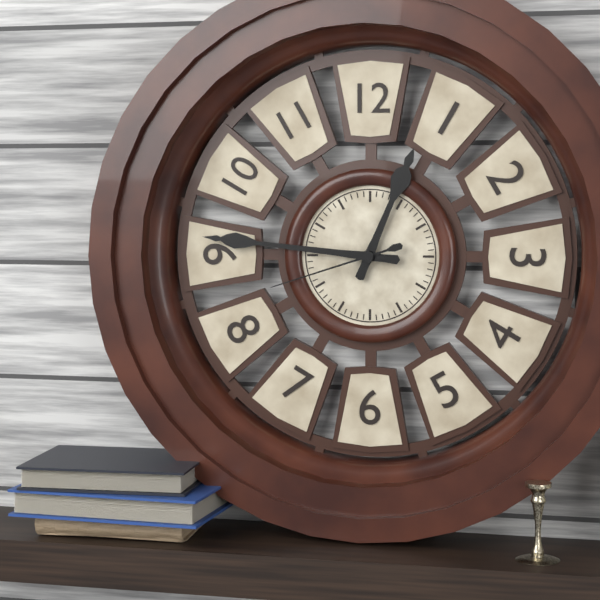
12:46:42
